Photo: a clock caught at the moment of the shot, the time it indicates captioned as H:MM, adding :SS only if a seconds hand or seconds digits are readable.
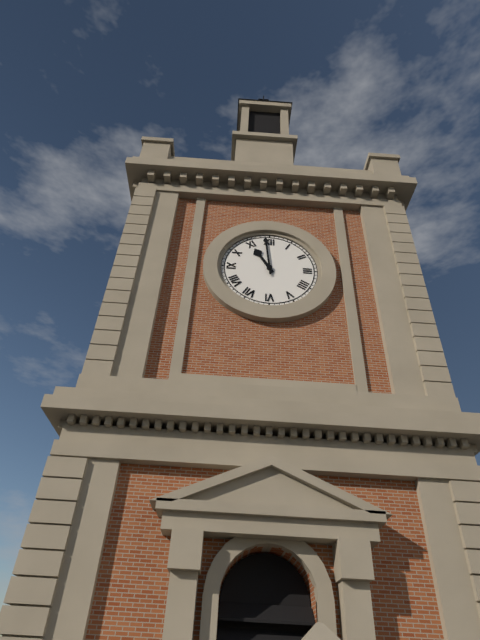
10:59
